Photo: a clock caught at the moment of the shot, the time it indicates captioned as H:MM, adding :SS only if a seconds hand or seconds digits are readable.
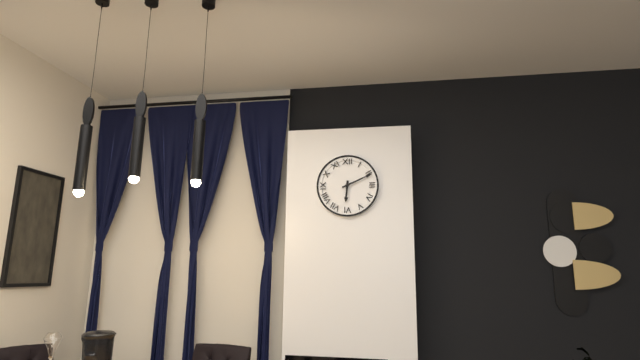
6:11
